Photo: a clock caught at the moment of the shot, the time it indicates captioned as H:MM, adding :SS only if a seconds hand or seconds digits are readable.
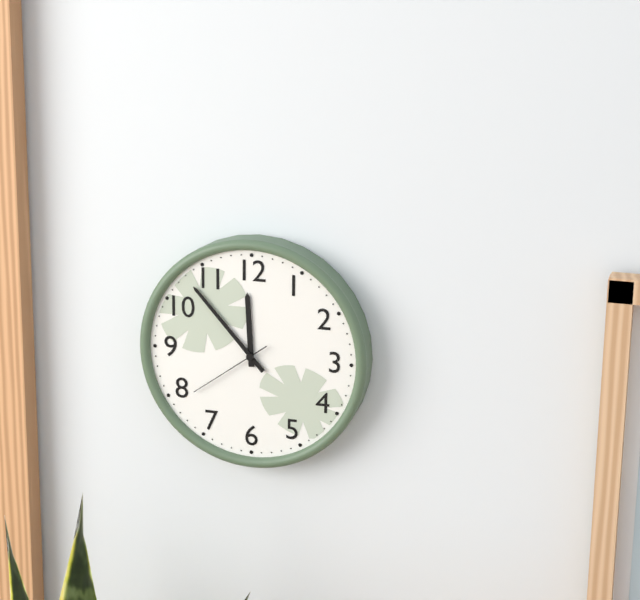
11:53:39
